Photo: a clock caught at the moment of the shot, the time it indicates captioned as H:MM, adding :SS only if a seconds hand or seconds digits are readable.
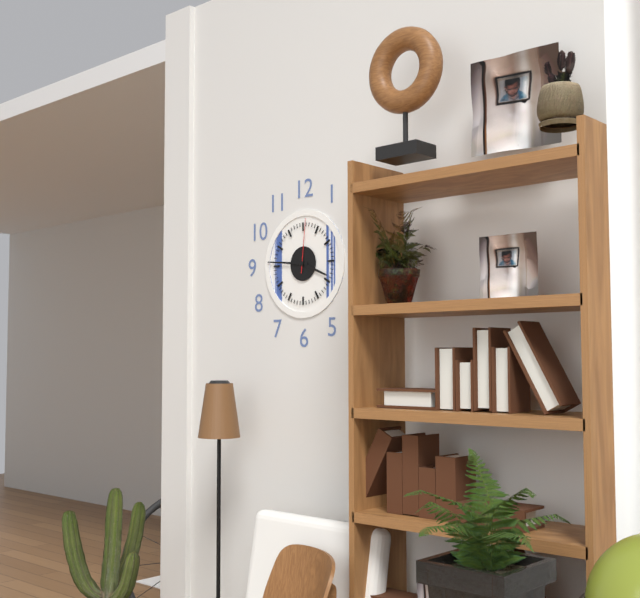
3:46:01
